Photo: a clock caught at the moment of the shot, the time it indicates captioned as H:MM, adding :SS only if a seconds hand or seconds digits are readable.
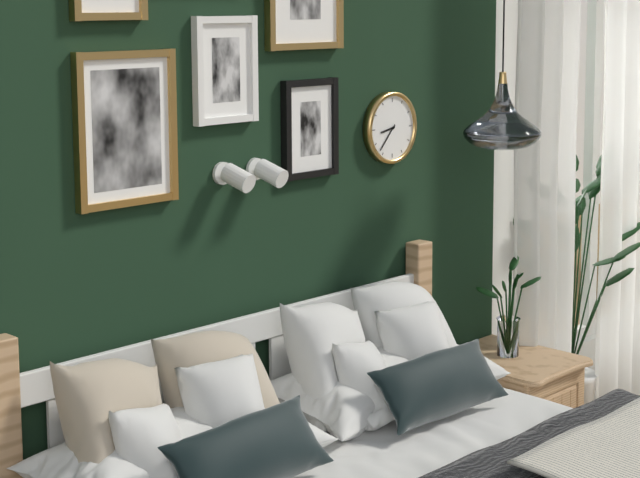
8:37
